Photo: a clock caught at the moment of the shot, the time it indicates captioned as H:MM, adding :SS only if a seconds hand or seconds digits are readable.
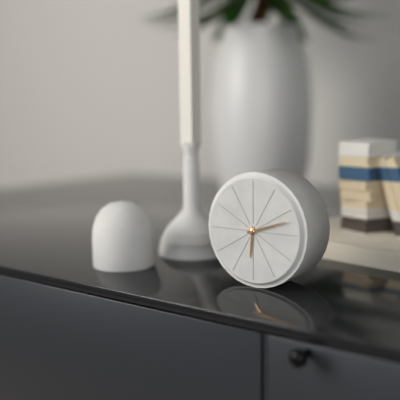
6:12
